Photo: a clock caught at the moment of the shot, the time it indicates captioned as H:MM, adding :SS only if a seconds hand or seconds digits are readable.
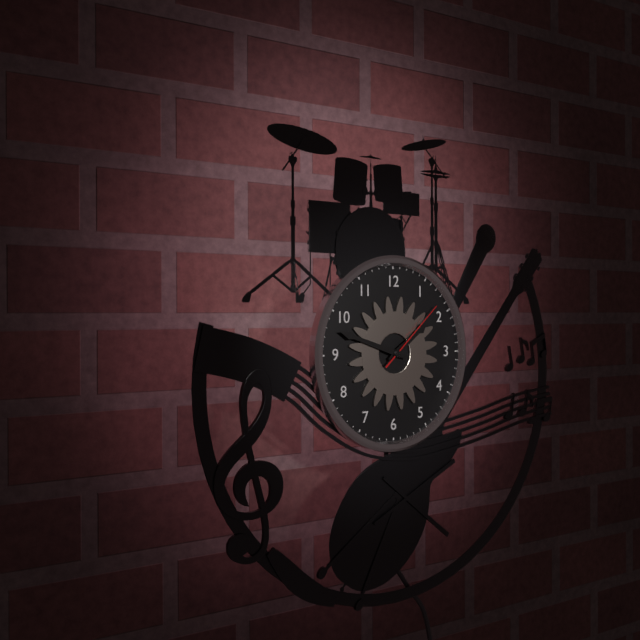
1:48:08
